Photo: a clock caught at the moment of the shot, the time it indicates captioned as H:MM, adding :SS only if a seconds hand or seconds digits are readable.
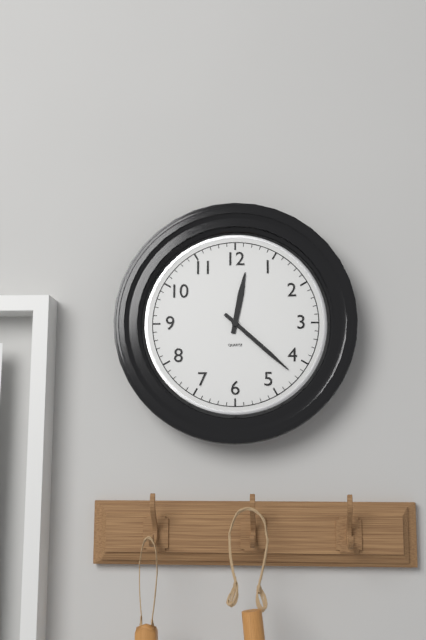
12:22
